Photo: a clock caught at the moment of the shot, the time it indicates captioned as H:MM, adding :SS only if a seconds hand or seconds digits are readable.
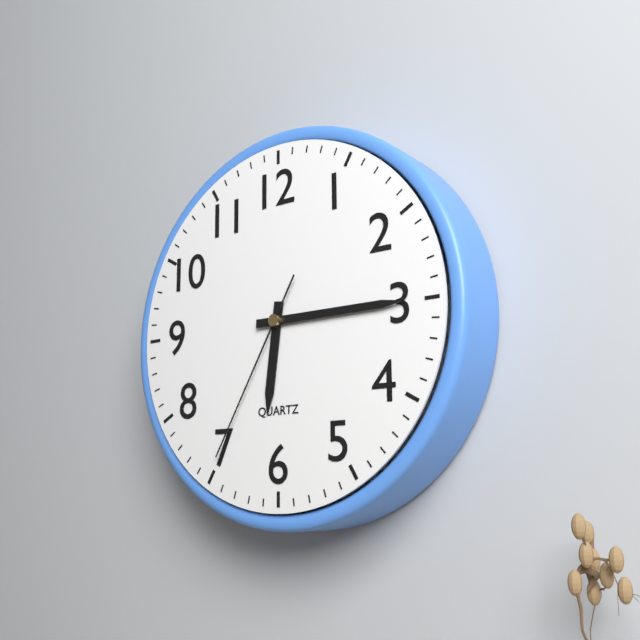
6:15:35
